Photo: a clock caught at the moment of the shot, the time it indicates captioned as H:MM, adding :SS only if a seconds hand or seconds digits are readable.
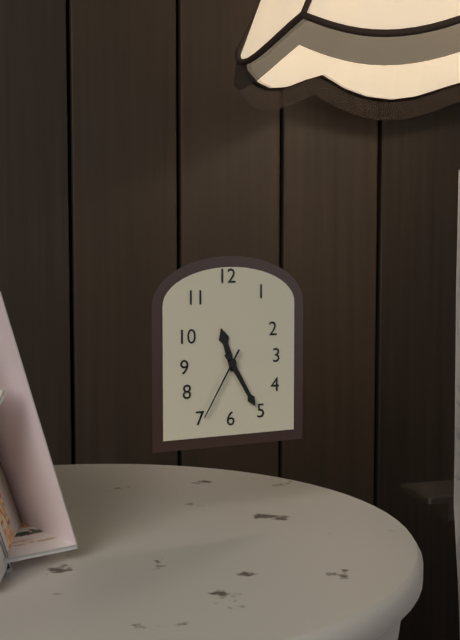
11:25:35
